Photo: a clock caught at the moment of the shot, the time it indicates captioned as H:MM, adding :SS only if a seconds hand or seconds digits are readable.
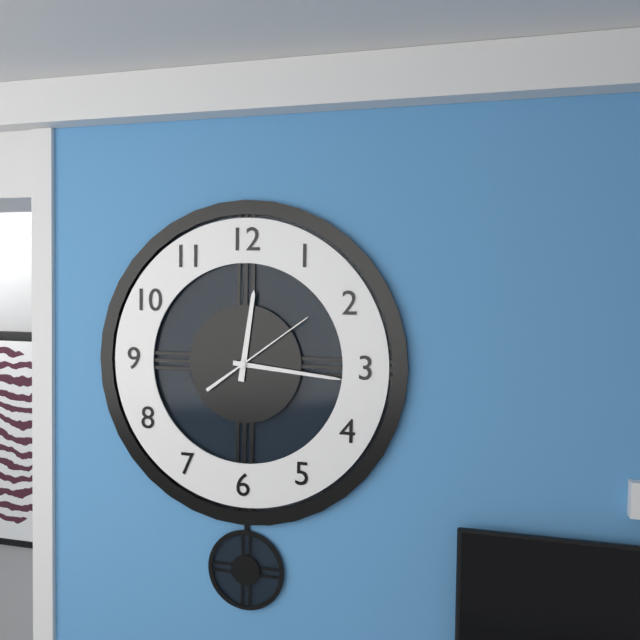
12:16:09
